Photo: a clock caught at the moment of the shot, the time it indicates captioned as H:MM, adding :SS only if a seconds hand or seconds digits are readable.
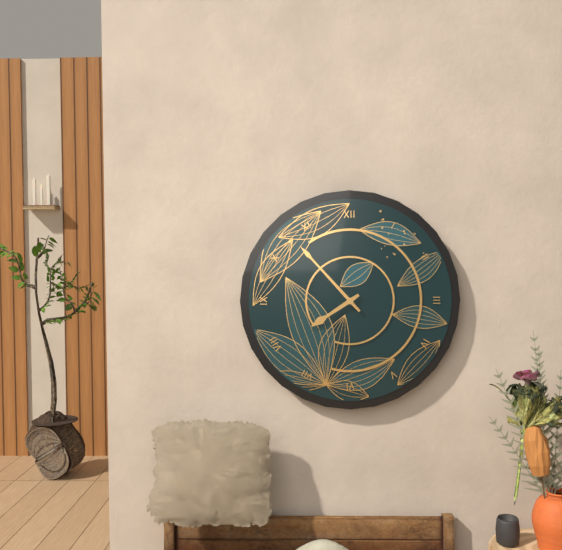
7:53
